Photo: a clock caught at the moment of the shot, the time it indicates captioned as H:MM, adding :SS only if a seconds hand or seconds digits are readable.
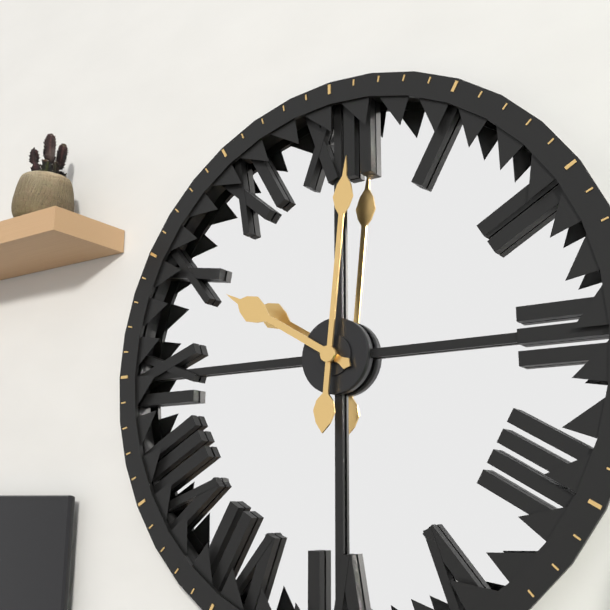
10:01
